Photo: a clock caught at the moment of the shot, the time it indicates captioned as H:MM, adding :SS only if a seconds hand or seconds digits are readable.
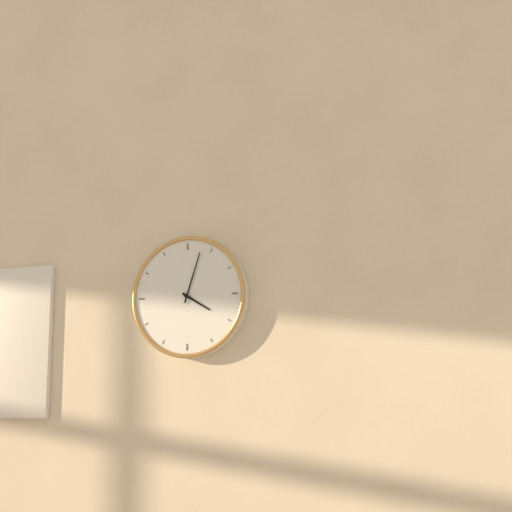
4:03
